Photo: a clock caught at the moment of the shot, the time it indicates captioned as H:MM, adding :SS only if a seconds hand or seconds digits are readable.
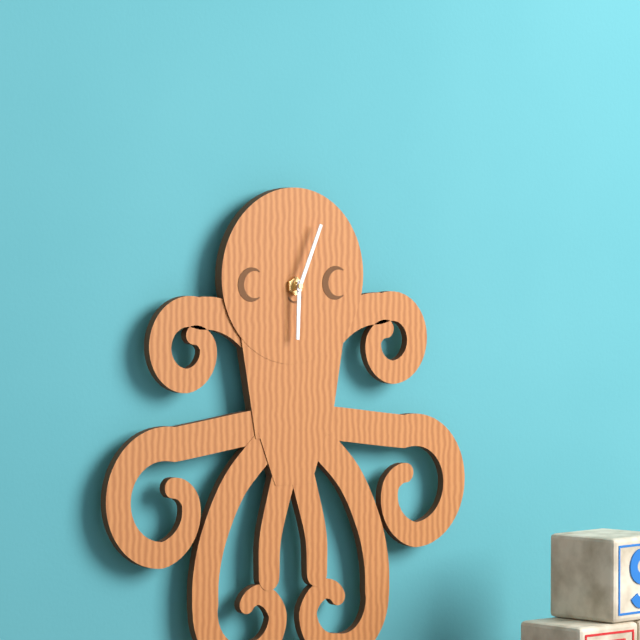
6:04
